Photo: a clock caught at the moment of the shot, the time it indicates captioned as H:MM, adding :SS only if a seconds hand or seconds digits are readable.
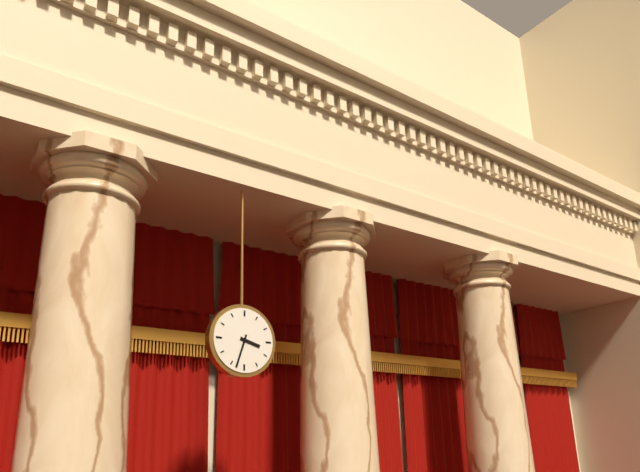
3:33
